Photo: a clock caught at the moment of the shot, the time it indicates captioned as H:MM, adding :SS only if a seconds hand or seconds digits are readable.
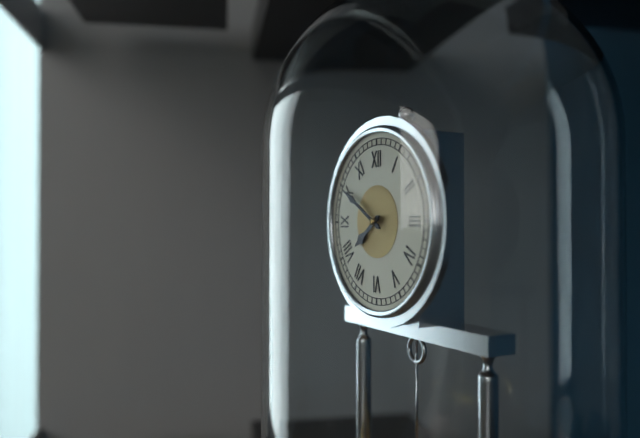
7:50
